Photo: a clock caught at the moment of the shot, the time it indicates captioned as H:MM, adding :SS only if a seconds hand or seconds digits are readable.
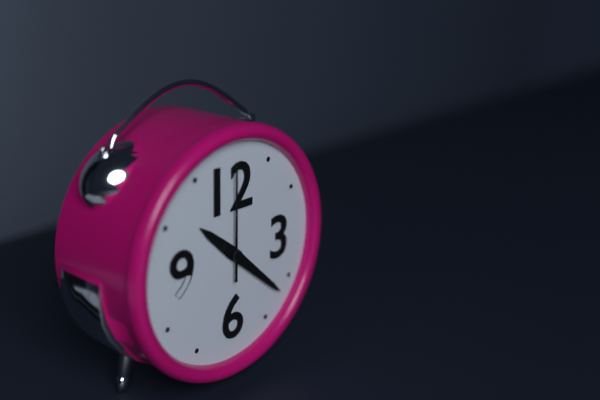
10:22:00
